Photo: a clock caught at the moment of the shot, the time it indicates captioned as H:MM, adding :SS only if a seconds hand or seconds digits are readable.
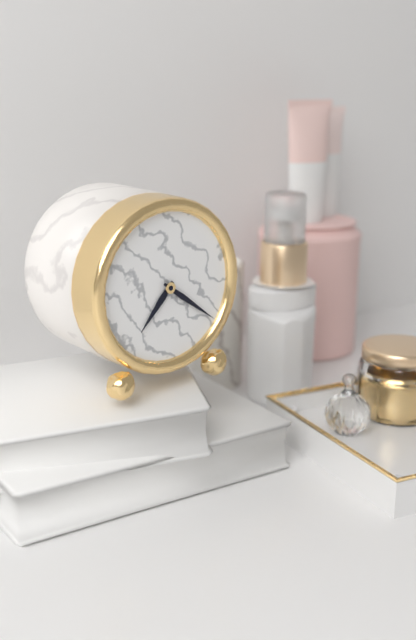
7:21
